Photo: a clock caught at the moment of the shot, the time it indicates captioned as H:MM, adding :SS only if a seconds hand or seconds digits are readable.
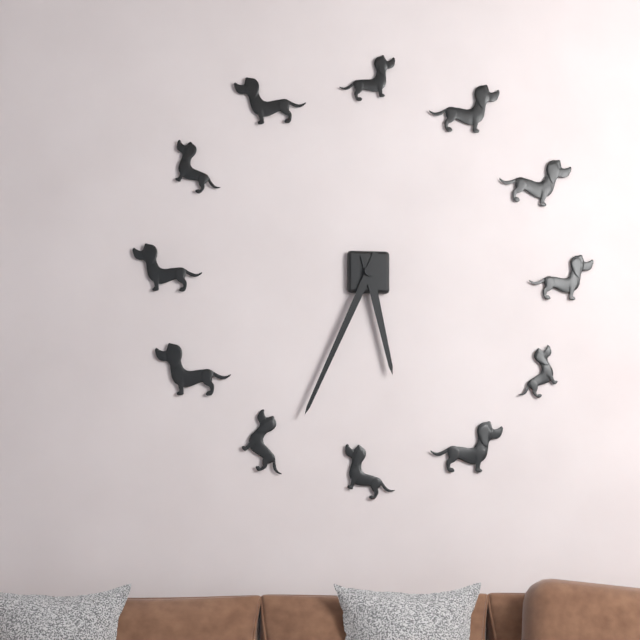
5:34
